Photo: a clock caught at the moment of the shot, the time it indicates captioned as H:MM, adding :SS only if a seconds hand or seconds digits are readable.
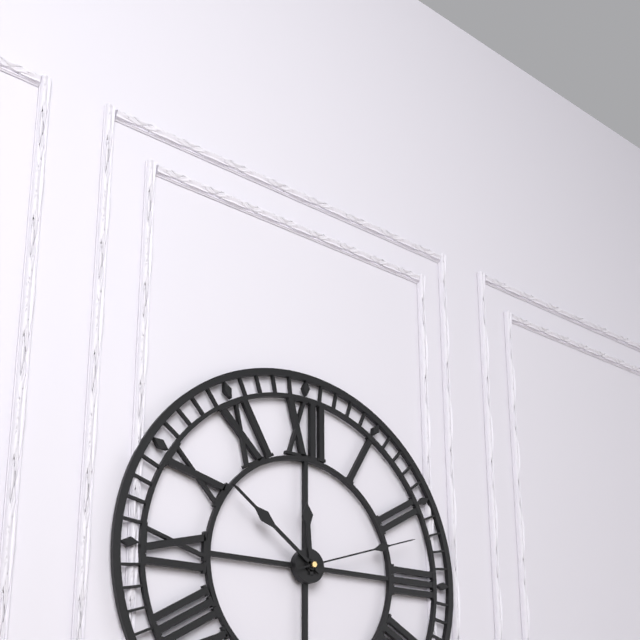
11:51:12
